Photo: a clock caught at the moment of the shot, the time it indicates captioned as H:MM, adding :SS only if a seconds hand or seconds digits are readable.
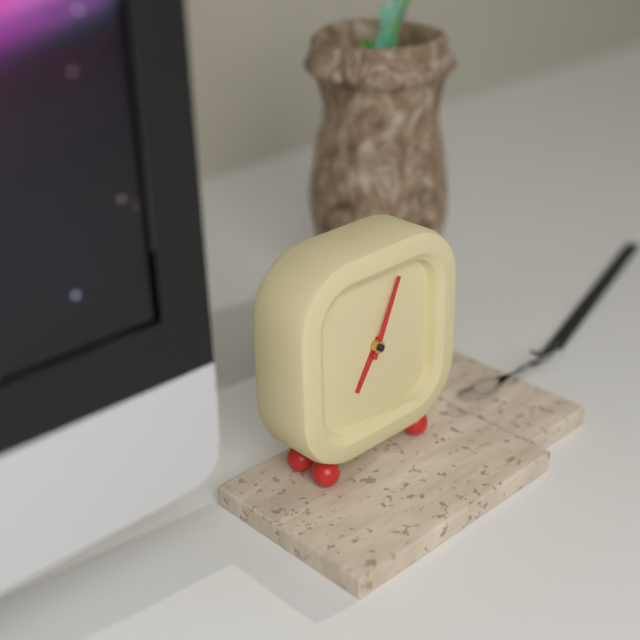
7:04
